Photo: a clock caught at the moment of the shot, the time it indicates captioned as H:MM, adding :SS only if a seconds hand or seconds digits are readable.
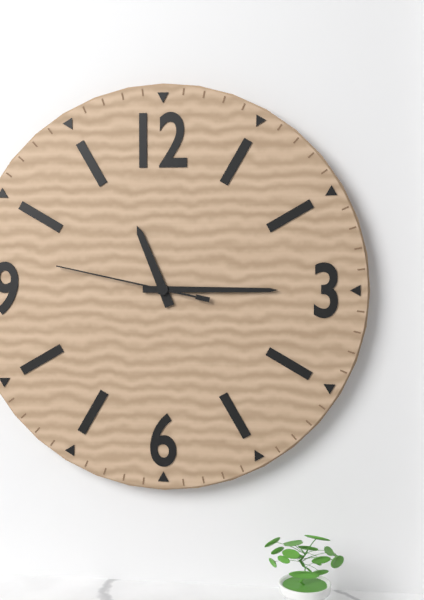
11:15:47
